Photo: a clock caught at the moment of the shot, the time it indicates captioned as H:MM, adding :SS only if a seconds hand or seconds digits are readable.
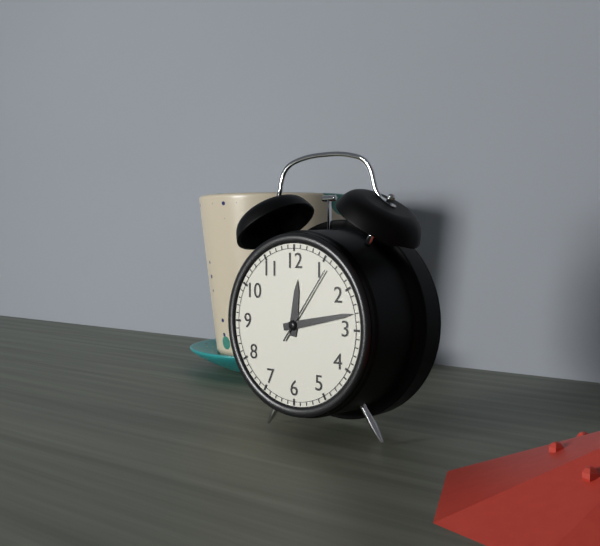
12:13:06
